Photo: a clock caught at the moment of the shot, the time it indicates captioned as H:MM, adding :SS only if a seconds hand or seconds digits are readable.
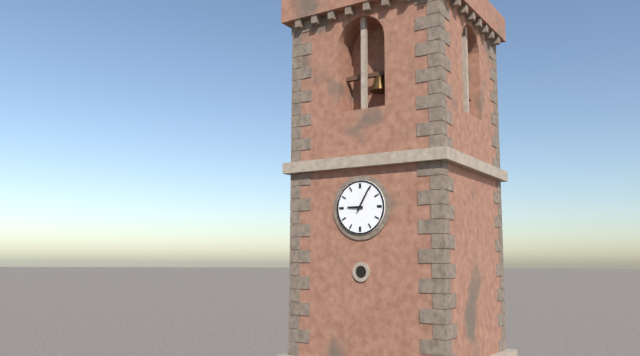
9:05
